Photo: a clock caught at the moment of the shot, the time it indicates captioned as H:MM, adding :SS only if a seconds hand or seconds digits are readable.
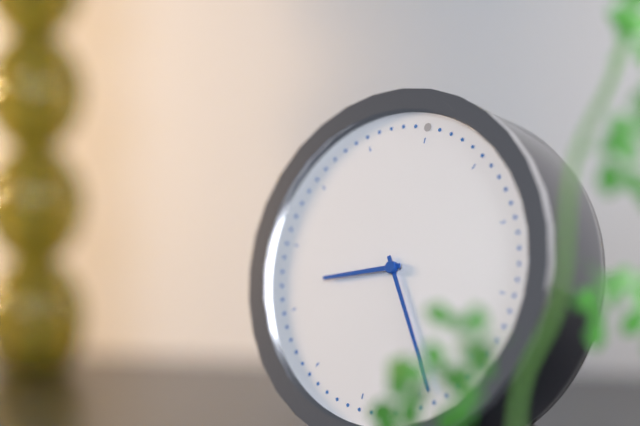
8:24
